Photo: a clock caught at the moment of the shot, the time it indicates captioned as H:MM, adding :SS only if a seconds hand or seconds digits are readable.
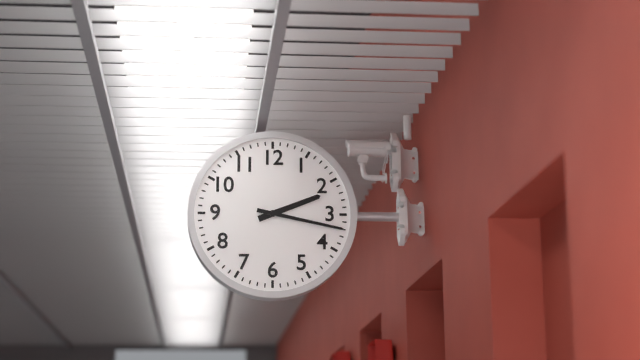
2:17
